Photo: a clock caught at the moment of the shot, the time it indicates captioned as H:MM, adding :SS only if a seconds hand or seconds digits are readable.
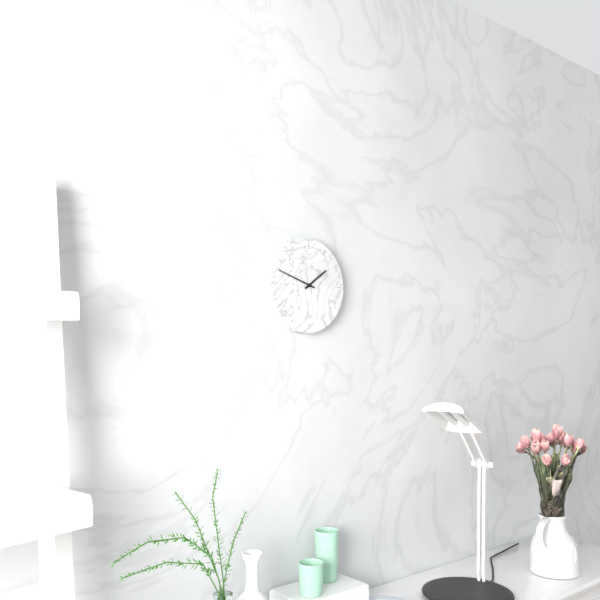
1:48
